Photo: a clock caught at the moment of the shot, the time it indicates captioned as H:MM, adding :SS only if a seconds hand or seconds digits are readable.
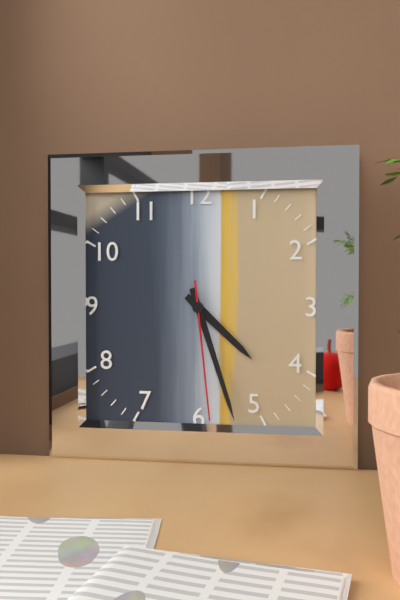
4:27:29
